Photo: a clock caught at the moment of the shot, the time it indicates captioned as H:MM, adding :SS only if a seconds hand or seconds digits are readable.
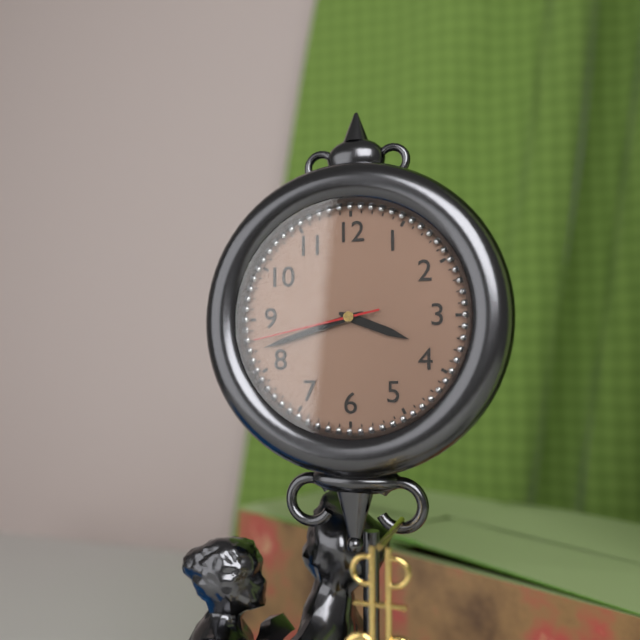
3:42:43
